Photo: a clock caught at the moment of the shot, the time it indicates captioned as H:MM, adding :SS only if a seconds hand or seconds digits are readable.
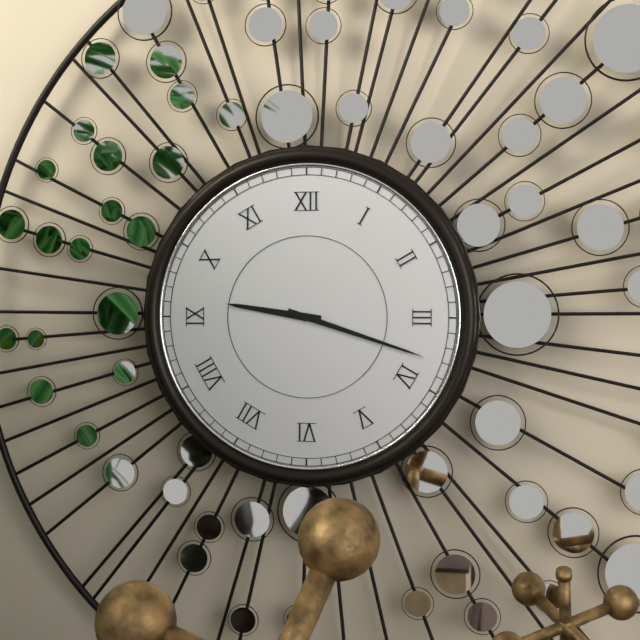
9:18
